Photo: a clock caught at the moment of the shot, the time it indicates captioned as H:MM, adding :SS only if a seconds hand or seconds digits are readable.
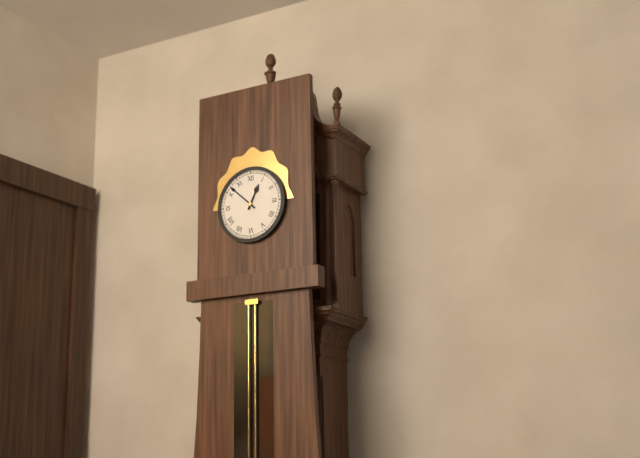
12:52
